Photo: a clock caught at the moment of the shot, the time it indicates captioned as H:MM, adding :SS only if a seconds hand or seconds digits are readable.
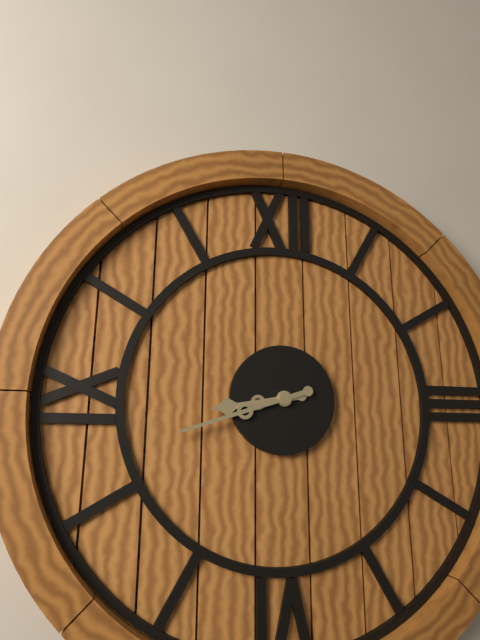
8:42
